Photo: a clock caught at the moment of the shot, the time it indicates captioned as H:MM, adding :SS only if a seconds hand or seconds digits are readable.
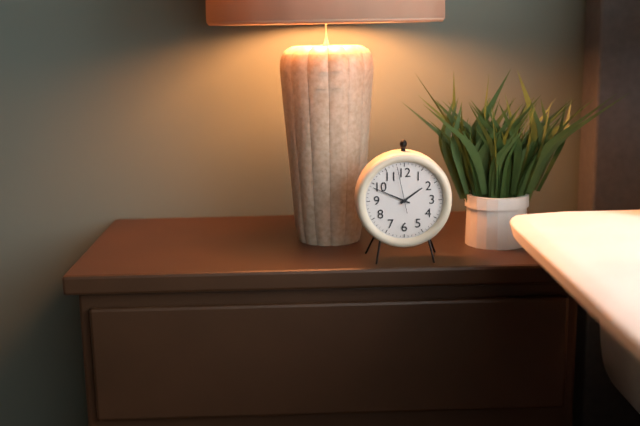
1:49
